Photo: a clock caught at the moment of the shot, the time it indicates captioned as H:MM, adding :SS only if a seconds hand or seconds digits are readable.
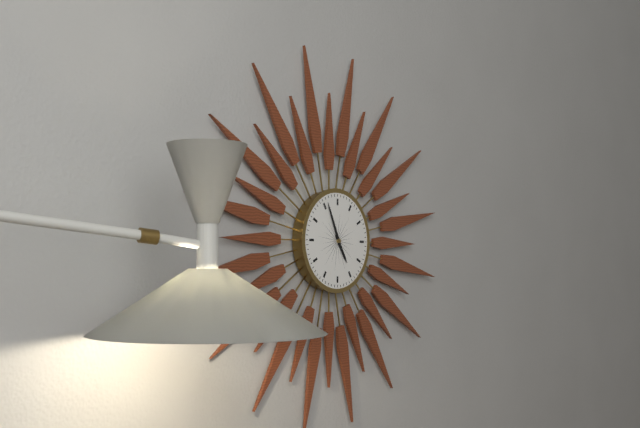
4:56
